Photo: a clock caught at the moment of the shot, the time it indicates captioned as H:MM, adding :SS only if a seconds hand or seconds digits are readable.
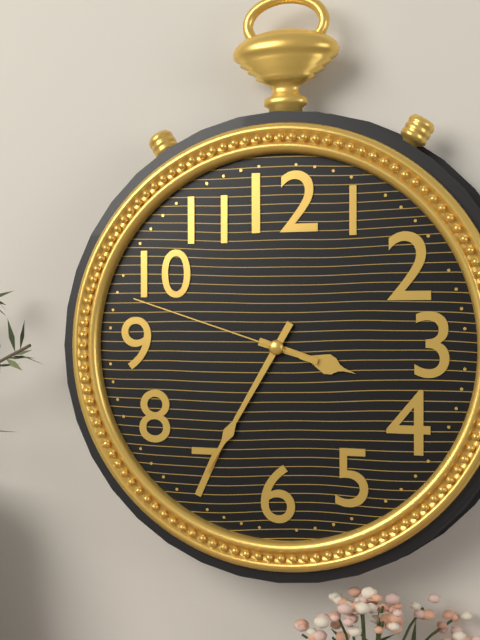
3:35:48
